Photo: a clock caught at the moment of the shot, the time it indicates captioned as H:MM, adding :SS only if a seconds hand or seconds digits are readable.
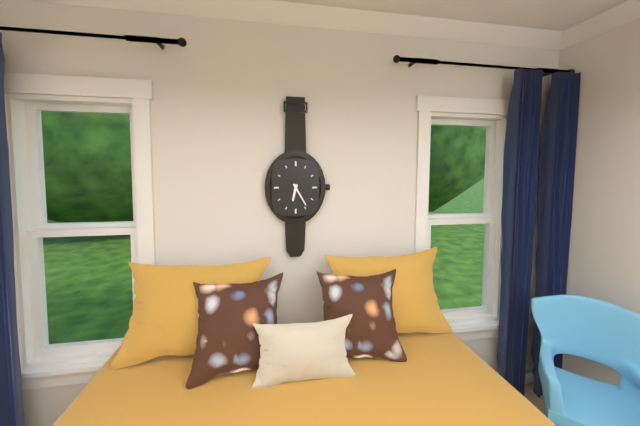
6:25
